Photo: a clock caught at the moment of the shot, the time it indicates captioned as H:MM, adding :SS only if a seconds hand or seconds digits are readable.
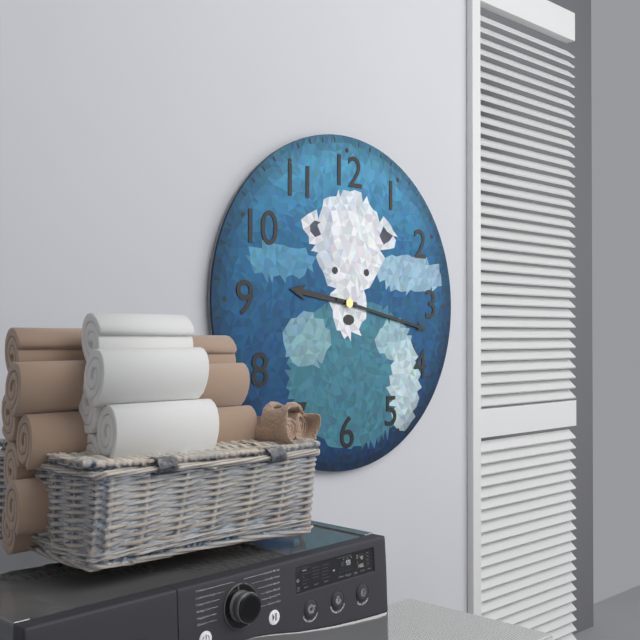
9:17
